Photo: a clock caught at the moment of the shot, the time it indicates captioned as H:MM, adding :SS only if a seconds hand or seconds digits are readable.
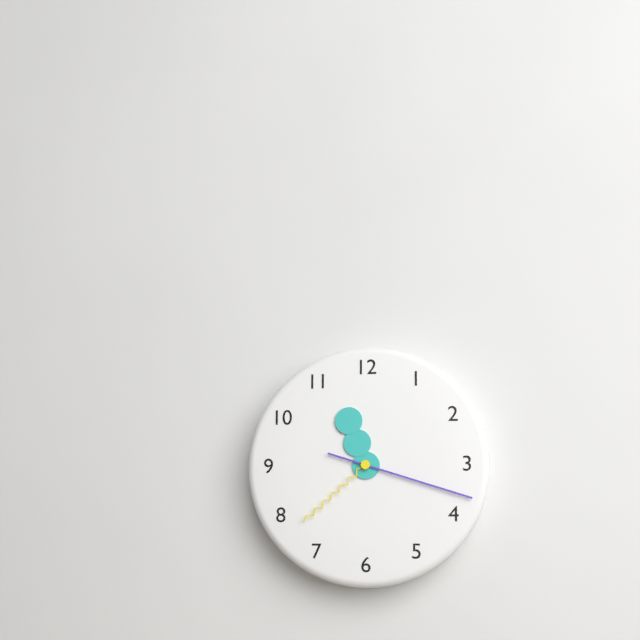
11:18:38
